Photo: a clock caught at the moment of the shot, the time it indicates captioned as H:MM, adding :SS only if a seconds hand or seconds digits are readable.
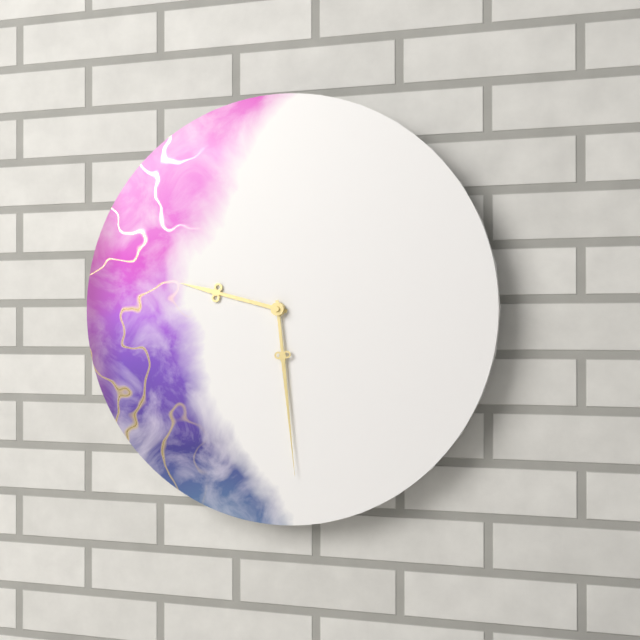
9:29
